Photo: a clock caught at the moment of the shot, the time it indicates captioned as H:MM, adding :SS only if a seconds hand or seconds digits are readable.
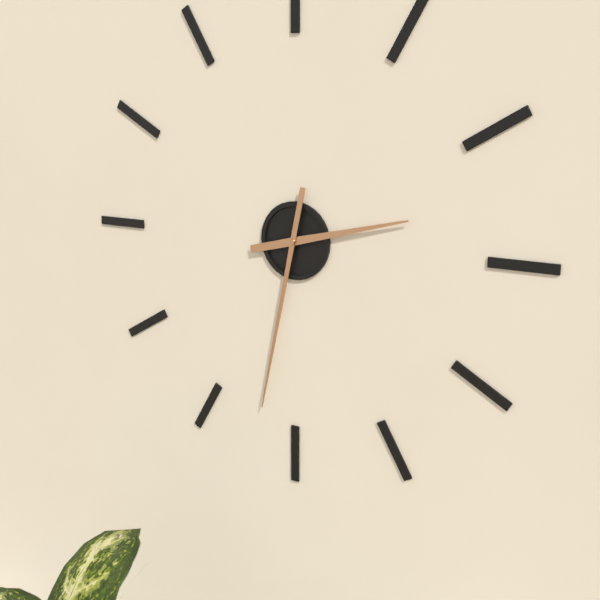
2:32
